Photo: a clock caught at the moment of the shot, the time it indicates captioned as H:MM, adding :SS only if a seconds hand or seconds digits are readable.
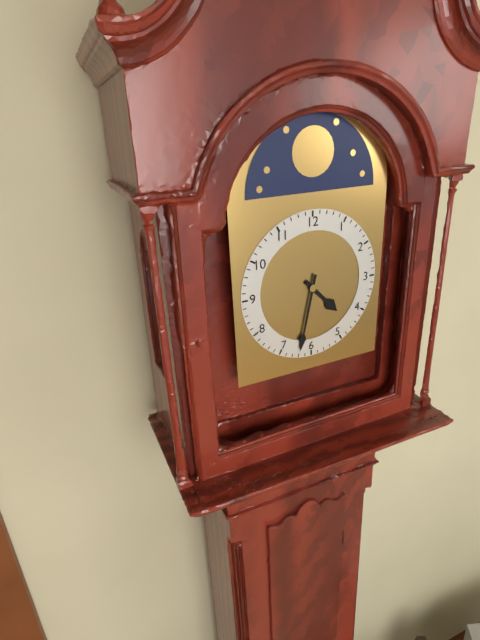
4:32
